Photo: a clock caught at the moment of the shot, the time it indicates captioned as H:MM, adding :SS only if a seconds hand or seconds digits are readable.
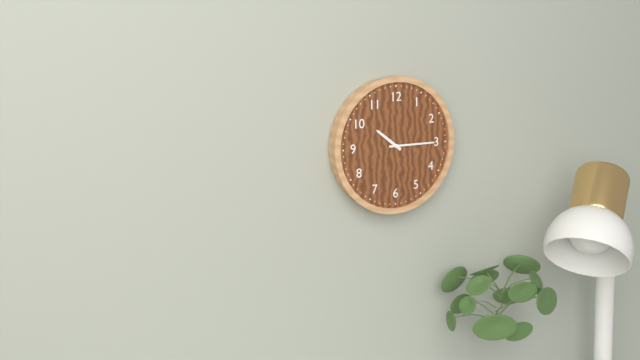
10:15
